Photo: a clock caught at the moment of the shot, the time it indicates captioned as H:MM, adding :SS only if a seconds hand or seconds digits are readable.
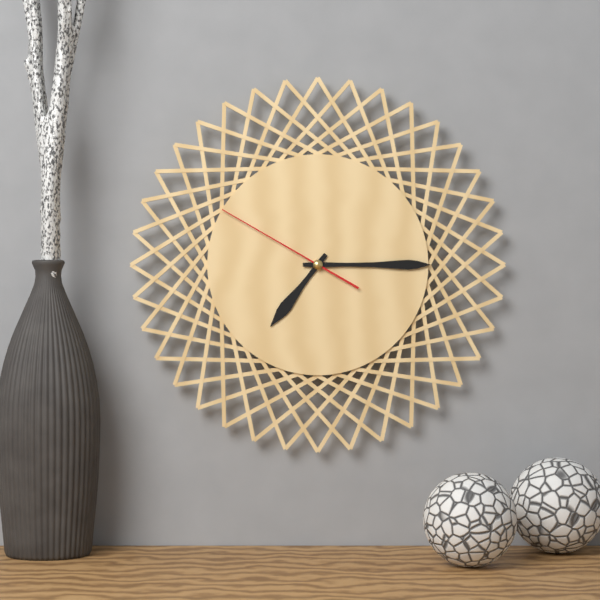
7:15:50
